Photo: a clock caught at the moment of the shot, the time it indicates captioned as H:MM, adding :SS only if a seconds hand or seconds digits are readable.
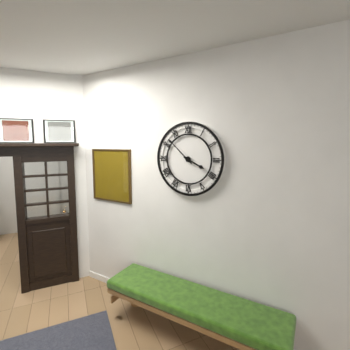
3:52
